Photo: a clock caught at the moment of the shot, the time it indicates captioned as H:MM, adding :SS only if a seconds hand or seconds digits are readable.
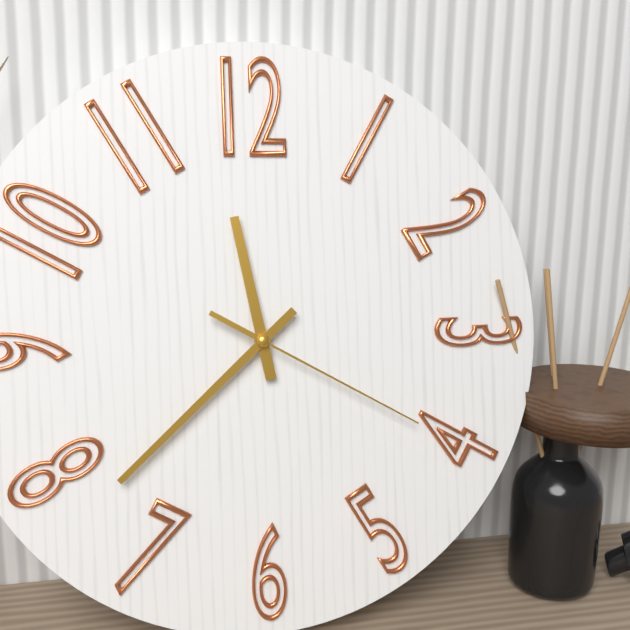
11:38:20
